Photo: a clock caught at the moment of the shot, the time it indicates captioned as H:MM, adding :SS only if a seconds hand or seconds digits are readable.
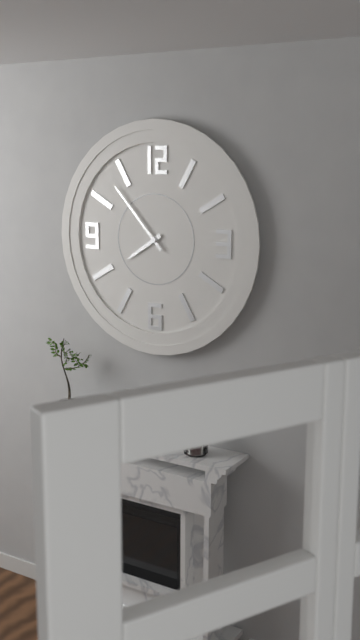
7:53
